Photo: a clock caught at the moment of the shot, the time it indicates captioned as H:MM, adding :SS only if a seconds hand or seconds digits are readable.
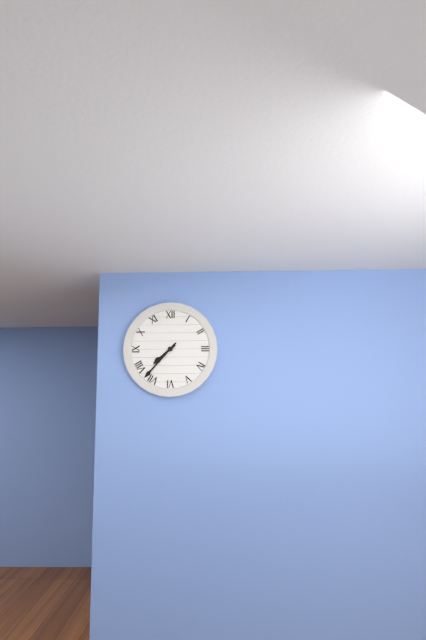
7:37
